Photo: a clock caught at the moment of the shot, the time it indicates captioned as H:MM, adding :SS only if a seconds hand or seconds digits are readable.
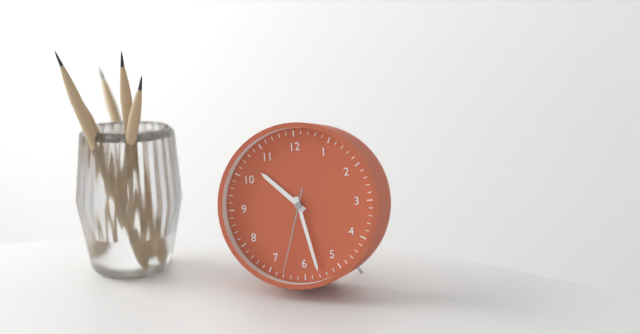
10:28:33
